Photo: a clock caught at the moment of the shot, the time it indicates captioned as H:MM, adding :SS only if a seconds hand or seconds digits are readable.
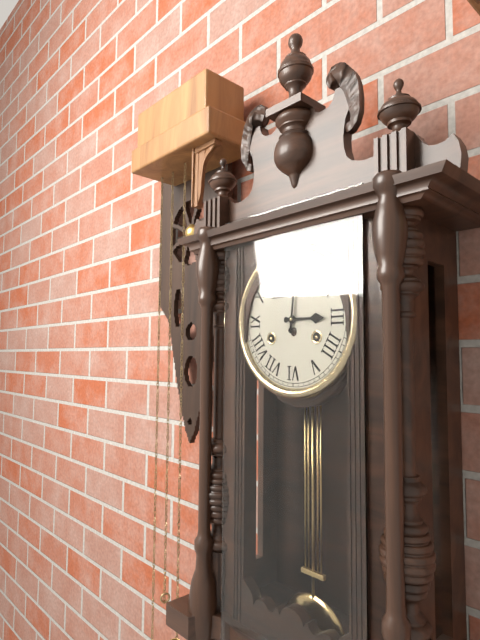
3:01
